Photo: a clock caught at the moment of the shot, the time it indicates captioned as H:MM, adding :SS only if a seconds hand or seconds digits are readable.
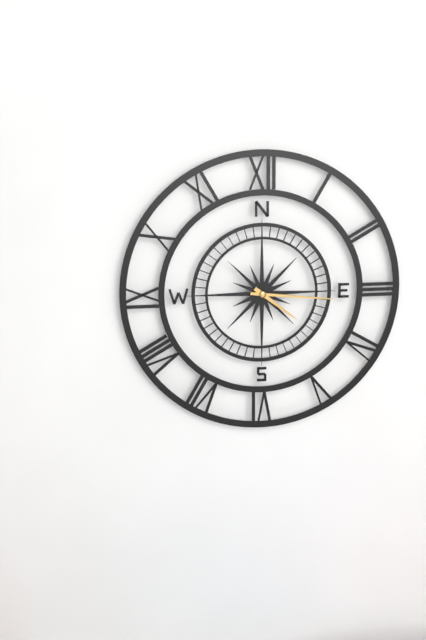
4:16
